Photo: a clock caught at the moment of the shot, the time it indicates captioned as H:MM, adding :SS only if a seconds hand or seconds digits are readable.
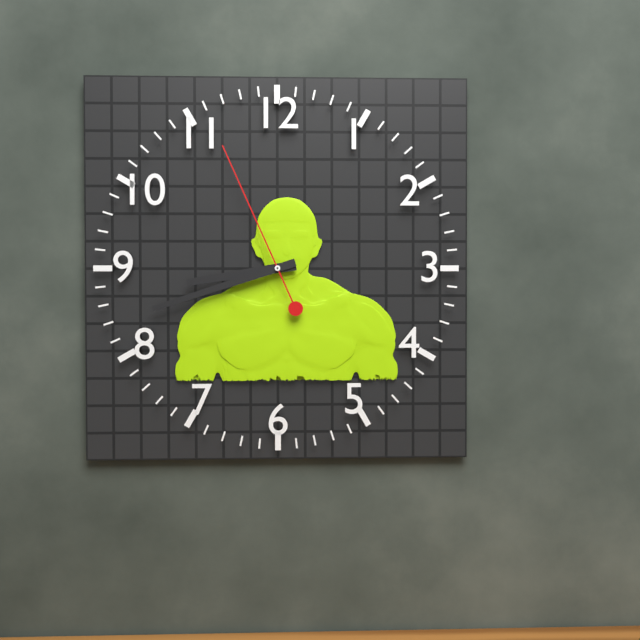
8:42:56
